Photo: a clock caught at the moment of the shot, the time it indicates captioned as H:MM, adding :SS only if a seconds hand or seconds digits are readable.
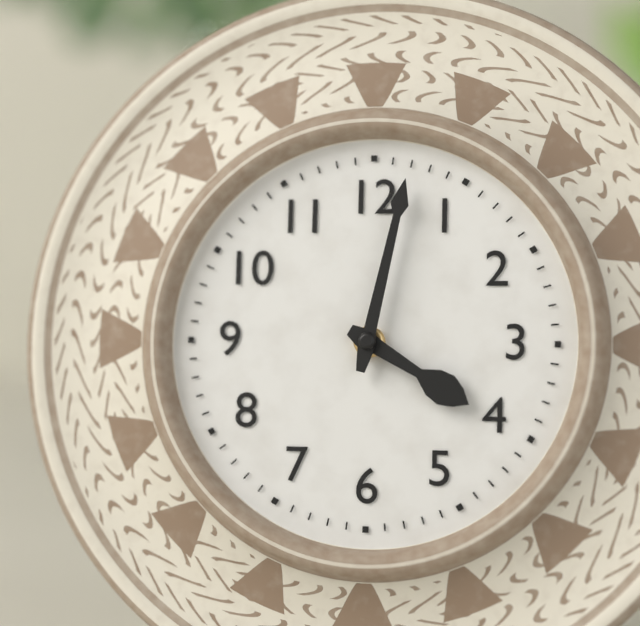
4:02
